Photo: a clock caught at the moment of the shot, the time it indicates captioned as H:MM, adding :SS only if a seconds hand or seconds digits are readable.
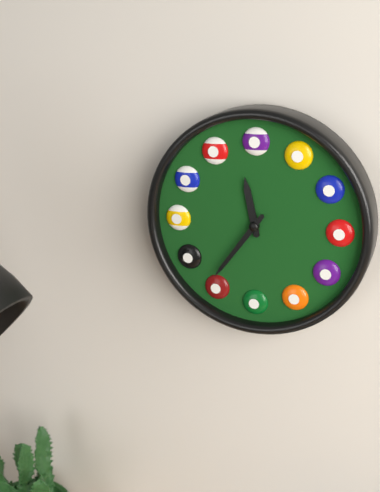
11:36
